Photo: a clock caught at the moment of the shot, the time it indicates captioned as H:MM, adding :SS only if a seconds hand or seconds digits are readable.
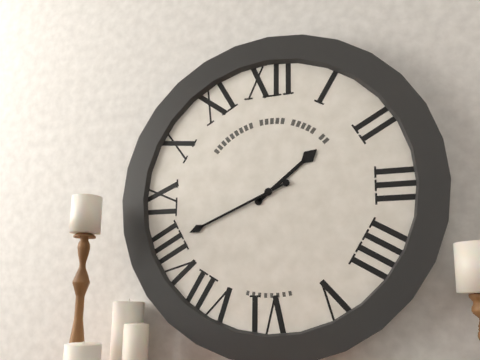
1:41
